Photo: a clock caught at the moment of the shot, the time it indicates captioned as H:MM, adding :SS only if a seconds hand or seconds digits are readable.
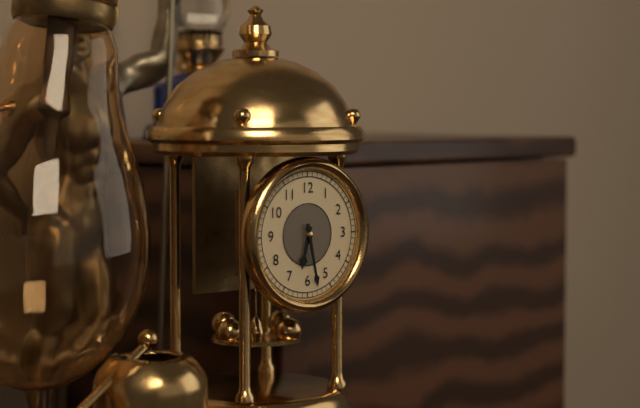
6:28
